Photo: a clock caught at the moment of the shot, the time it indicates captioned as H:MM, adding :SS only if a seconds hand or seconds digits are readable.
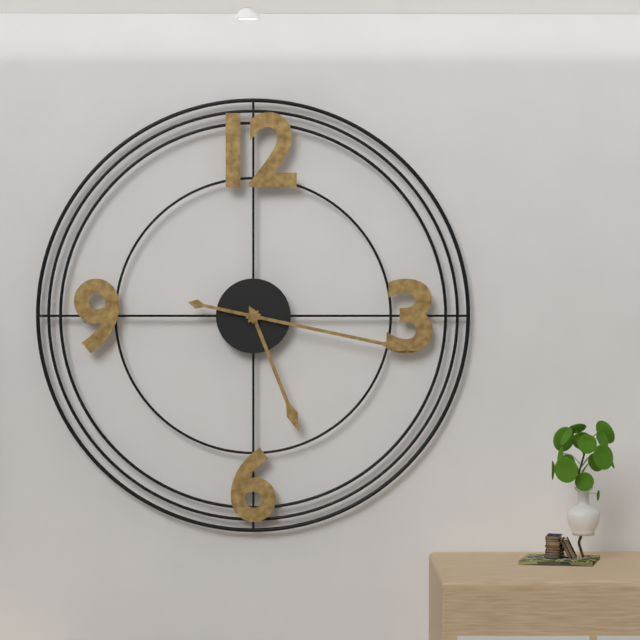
5:17
